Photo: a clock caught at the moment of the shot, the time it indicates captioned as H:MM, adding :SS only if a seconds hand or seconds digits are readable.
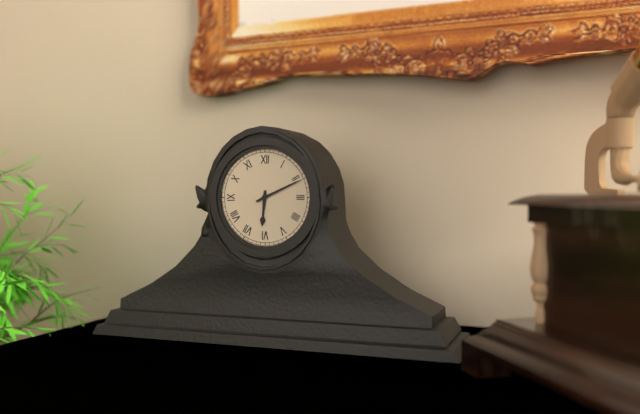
6:11
